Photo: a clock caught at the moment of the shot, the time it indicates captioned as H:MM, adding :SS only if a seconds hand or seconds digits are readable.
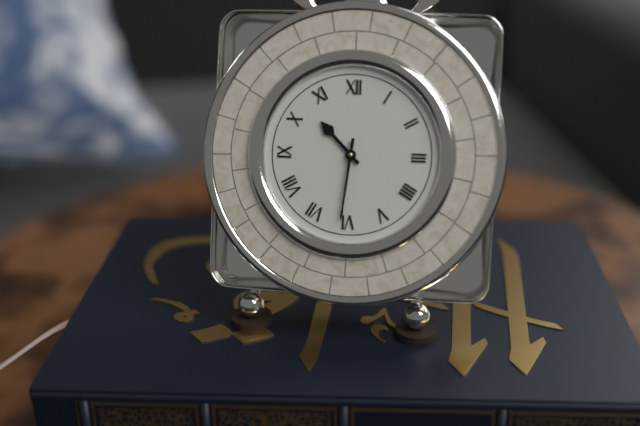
10:31
